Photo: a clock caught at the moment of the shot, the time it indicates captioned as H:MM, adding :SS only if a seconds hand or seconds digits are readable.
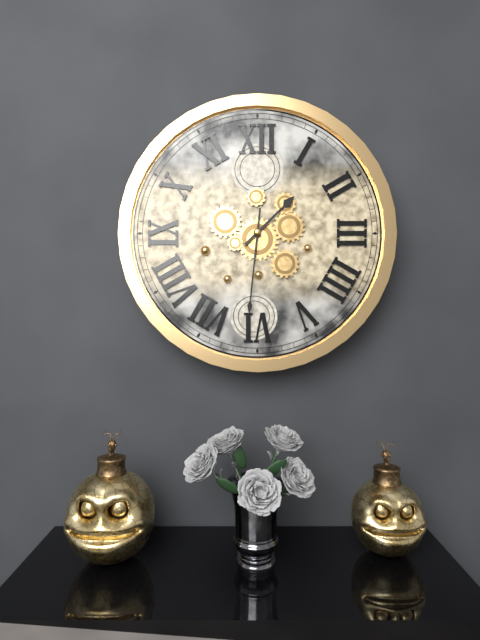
1:31
